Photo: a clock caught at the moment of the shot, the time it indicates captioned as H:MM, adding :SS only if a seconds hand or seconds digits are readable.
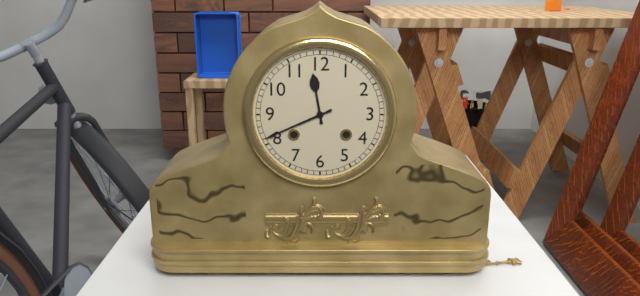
11:41
